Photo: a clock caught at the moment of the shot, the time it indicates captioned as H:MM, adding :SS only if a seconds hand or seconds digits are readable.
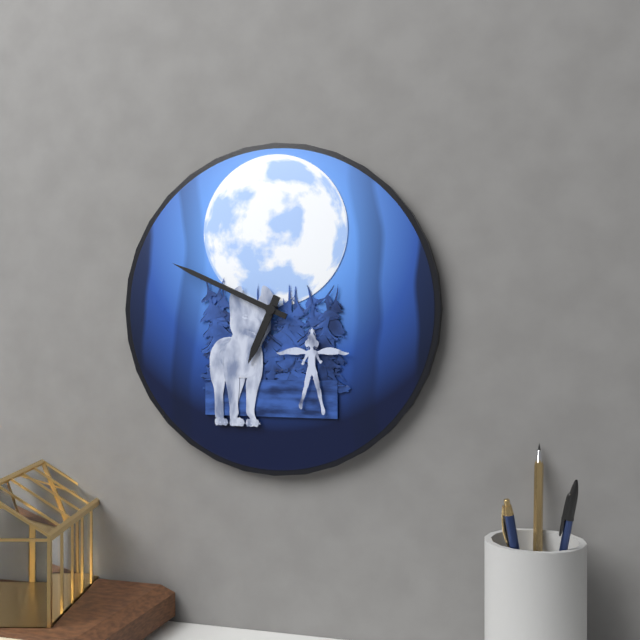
6:49
